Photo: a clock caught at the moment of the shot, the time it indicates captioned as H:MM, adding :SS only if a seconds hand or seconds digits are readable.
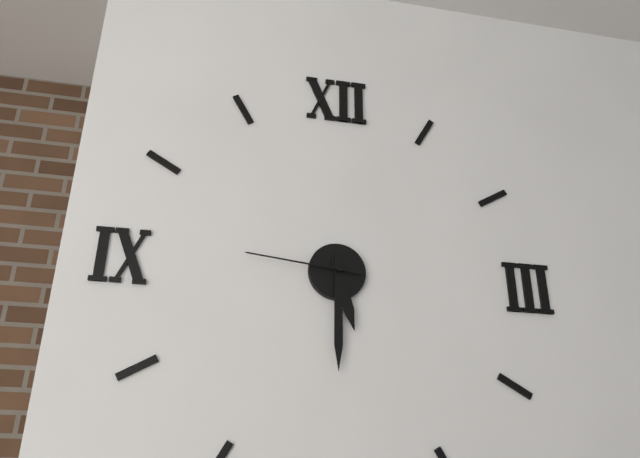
5:30:46
